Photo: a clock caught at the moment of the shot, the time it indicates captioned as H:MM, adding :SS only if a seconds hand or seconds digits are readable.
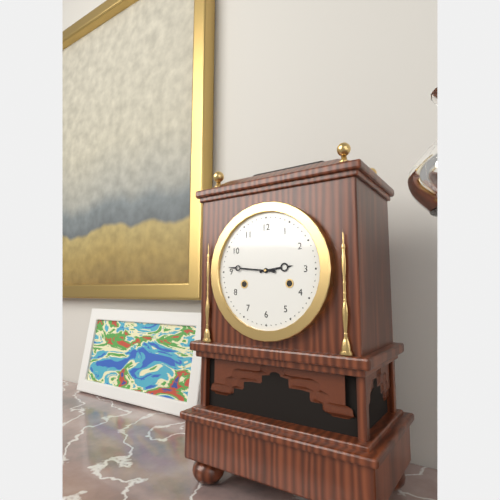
2:46
